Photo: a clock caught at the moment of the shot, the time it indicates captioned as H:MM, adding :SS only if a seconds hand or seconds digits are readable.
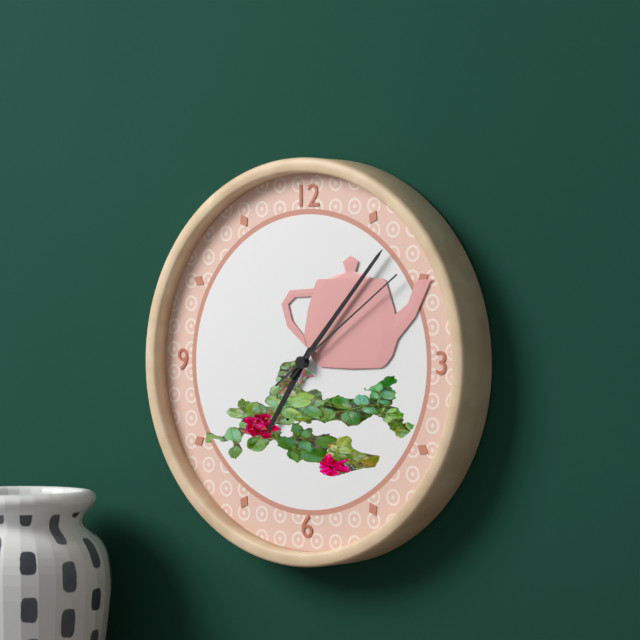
7:07:09
